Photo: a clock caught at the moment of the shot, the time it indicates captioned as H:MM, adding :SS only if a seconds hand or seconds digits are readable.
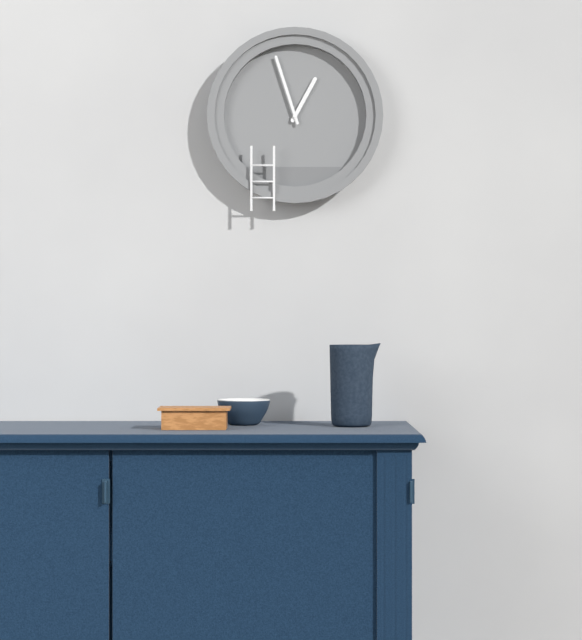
12:57
